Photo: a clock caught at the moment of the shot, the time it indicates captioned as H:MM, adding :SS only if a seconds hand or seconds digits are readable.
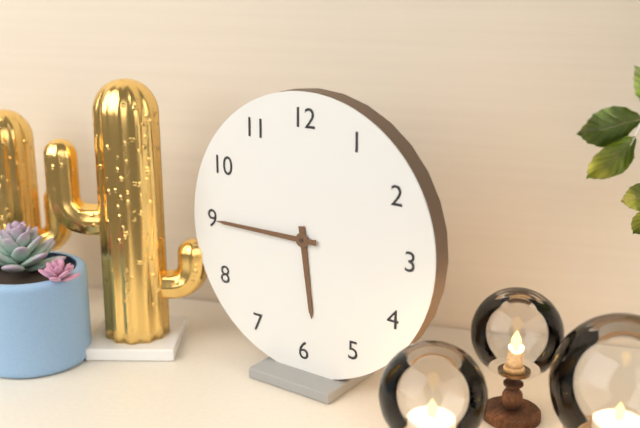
5:45
